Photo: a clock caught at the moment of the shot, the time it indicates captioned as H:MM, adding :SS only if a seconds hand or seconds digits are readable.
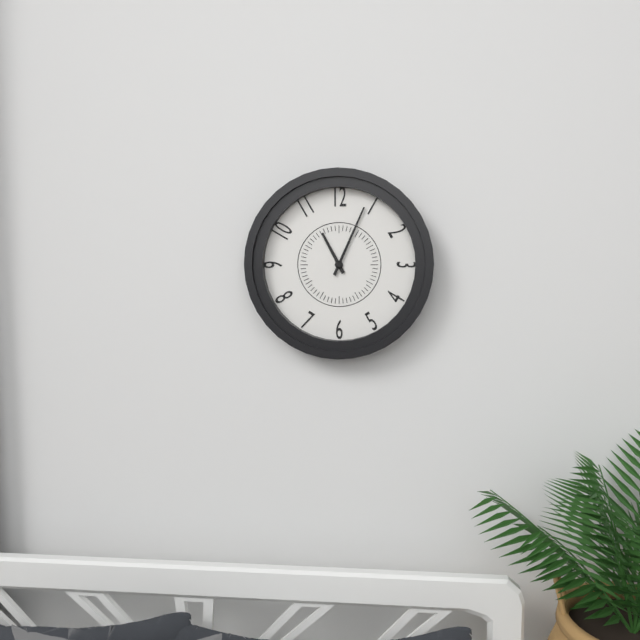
11:04
